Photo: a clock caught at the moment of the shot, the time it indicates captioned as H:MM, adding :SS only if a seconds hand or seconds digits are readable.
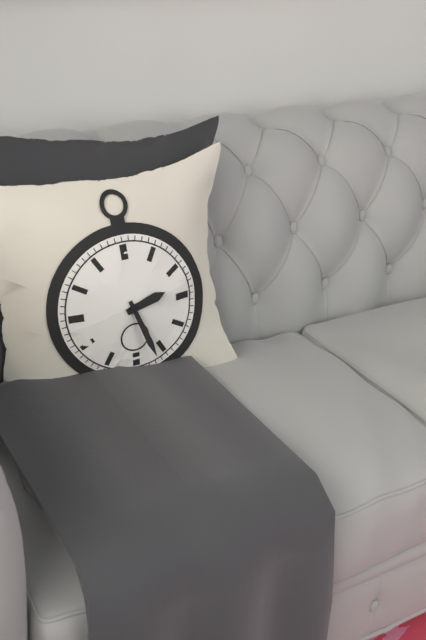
2:27
